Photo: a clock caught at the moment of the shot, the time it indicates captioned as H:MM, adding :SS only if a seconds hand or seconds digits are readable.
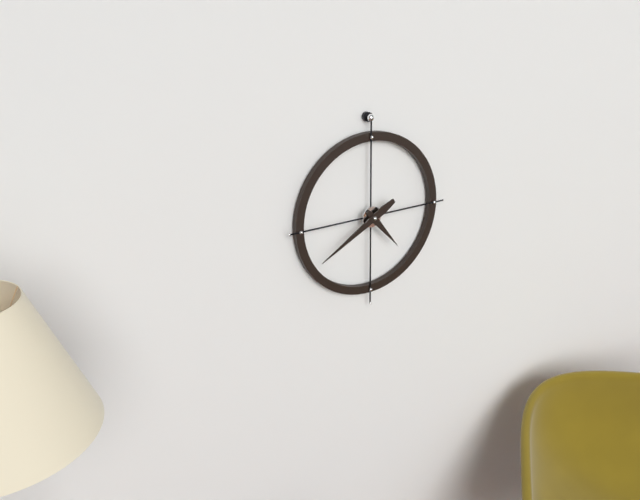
4:40
